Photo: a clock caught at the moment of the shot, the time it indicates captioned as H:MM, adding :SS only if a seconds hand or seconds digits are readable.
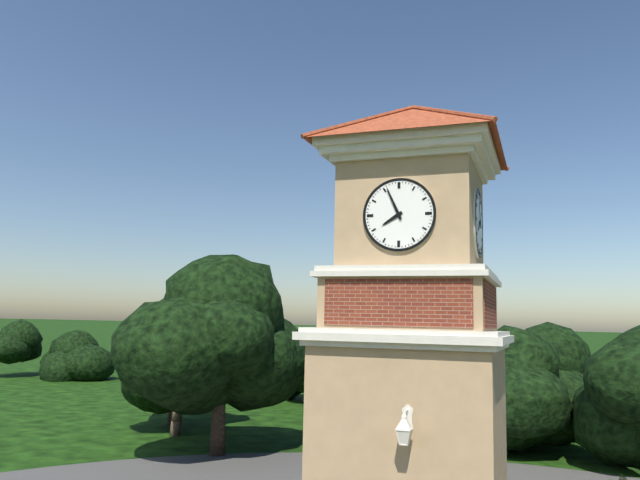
7:56
